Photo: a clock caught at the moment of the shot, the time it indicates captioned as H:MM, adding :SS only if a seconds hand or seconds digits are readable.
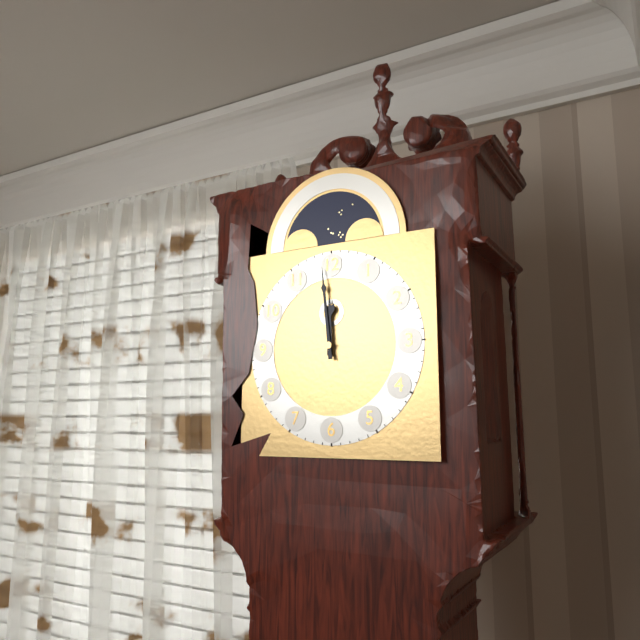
11:59
